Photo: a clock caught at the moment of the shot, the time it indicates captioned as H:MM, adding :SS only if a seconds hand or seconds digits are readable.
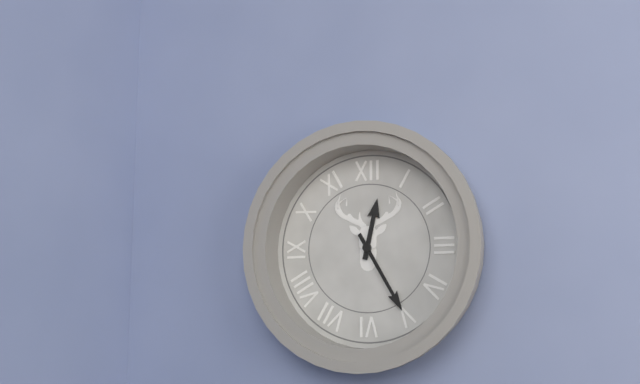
12:25
